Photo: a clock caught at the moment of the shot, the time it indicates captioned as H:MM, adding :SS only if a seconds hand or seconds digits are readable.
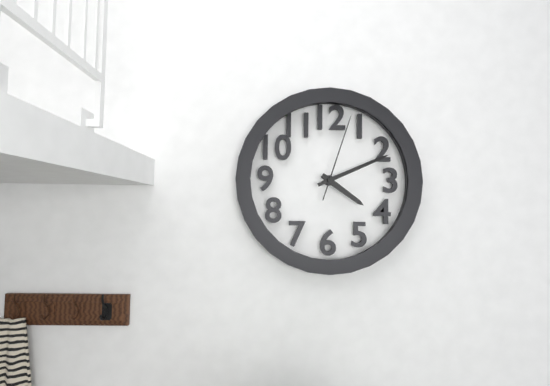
4:11:03
